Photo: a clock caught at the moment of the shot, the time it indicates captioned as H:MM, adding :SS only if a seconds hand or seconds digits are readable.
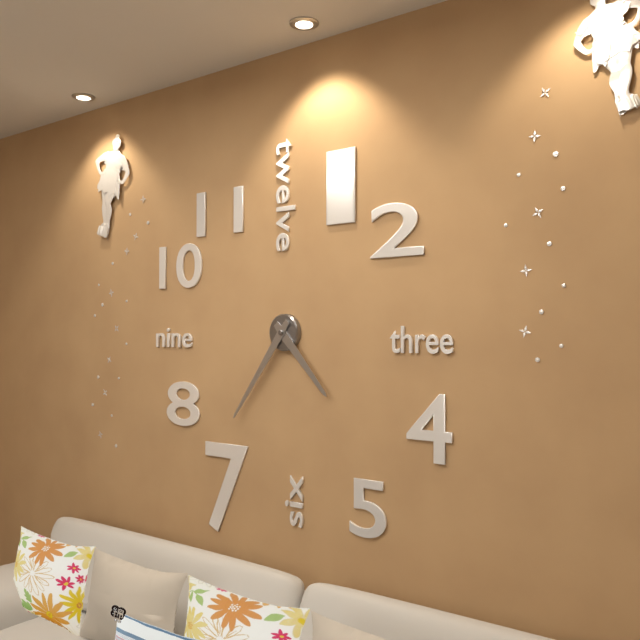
4:36
